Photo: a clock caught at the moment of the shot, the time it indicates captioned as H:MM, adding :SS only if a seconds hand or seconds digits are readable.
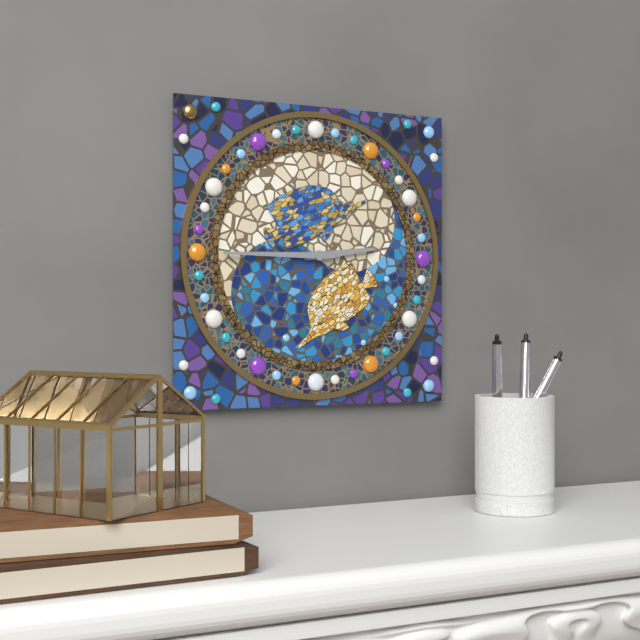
2:45
